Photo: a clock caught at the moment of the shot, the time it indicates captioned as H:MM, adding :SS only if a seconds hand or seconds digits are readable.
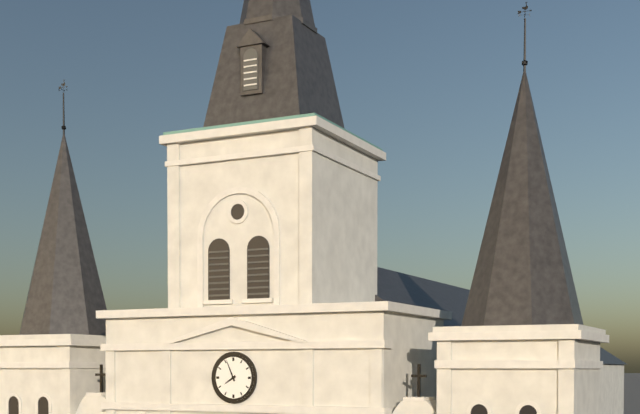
7:56
